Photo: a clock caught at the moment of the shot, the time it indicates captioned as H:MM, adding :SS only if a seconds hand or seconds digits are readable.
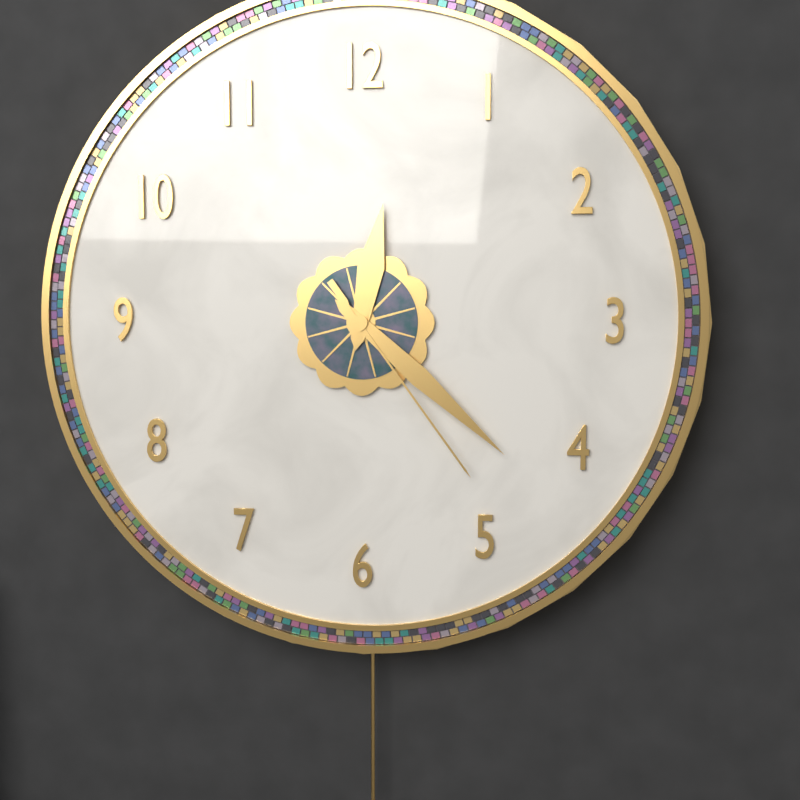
12:22:24
